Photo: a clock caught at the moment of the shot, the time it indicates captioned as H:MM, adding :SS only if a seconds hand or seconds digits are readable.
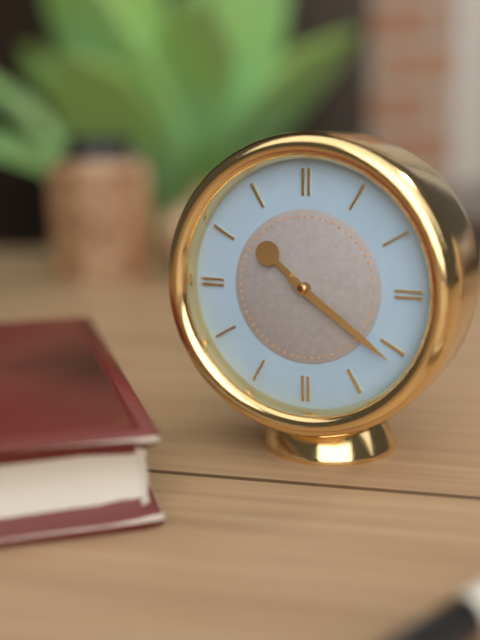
10:21
